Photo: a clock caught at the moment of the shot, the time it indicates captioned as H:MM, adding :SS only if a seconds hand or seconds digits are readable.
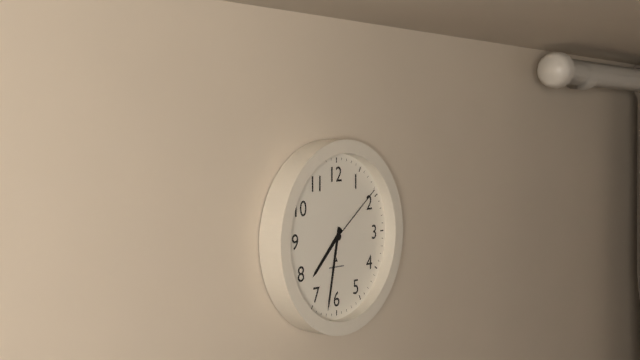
7:32:09
